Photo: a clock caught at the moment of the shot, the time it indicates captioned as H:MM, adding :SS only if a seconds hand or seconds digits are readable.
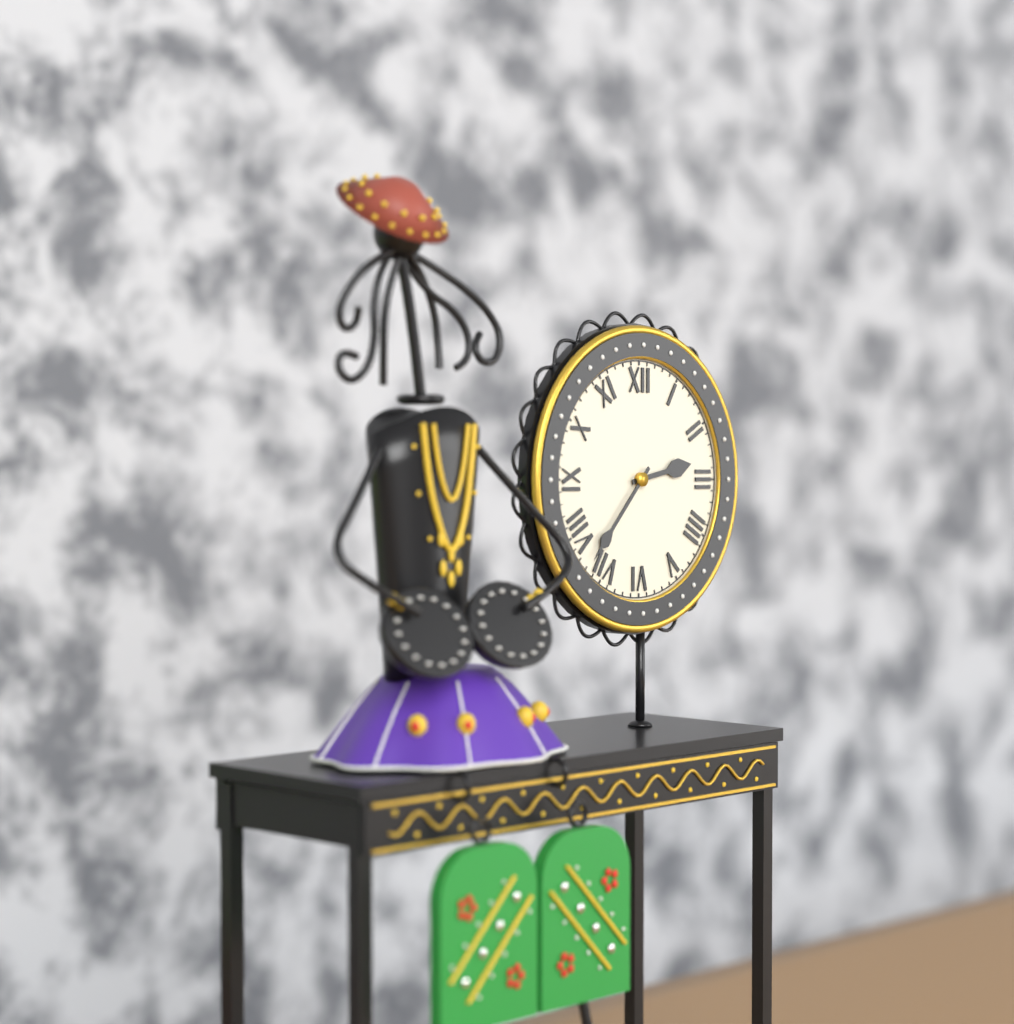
2:37
